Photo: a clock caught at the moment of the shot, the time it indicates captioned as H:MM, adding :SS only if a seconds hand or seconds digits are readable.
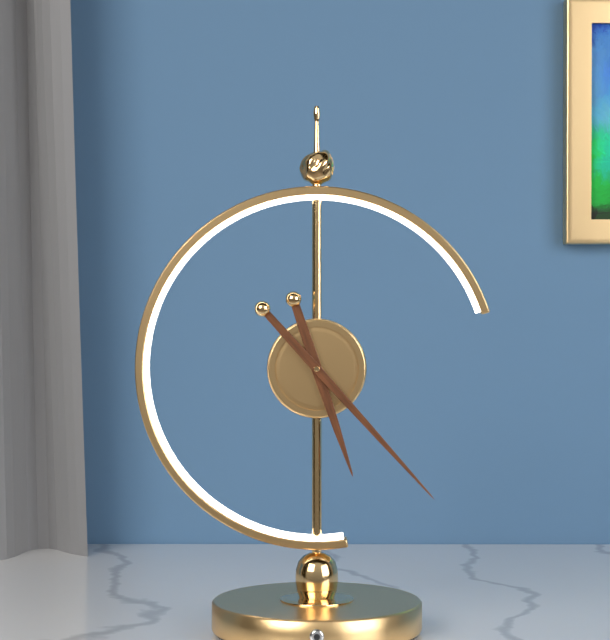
5:23
